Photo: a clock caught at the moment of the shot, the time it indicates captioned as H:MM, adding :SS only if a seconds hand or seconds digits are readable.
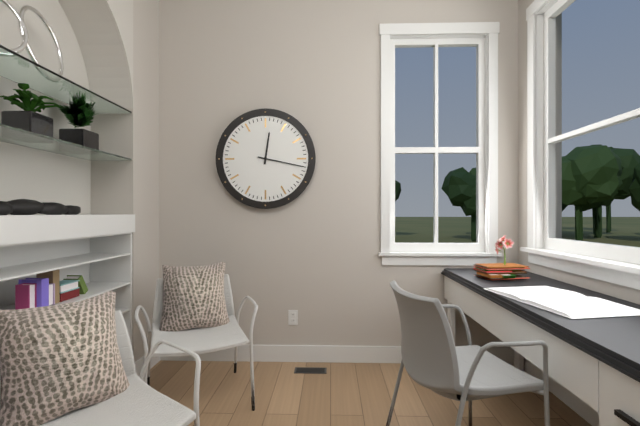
12:17
